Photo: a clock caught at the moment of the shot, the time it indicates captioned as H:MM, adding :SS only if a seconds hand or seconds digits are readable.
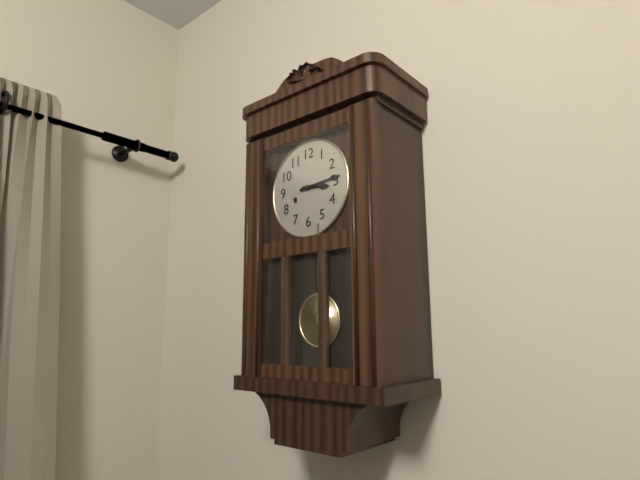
3:14
